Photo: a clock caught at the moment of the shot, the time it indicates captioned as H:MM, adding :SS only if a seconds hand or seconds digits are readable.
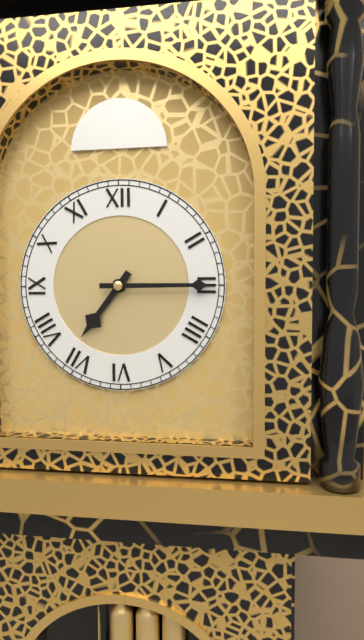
7:15
